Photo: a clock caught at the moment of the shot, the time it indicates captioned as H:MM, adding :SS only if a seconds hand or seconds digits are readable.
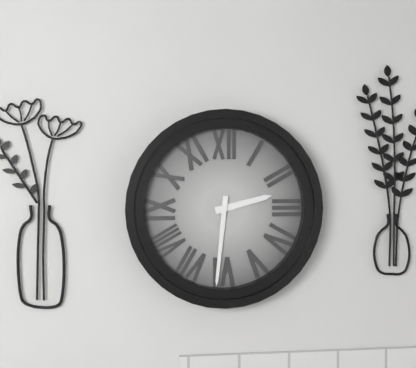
2:31
